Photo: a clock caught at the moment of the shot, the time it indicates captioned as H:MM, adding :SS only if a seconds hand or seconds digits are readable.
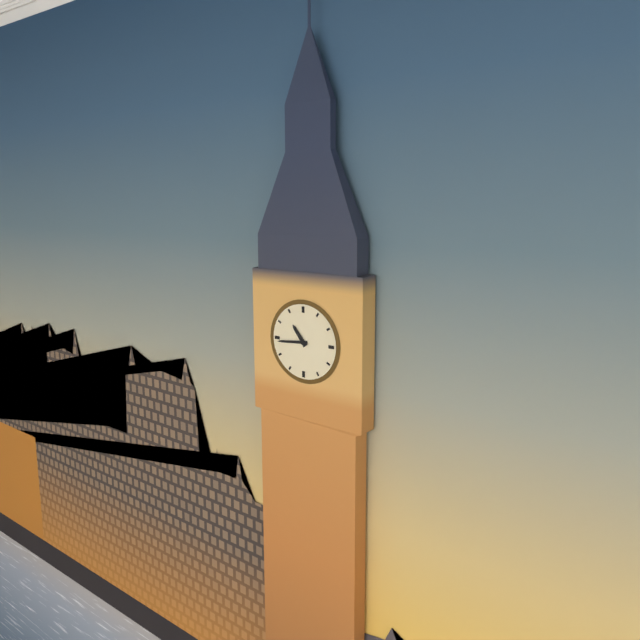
10:44
